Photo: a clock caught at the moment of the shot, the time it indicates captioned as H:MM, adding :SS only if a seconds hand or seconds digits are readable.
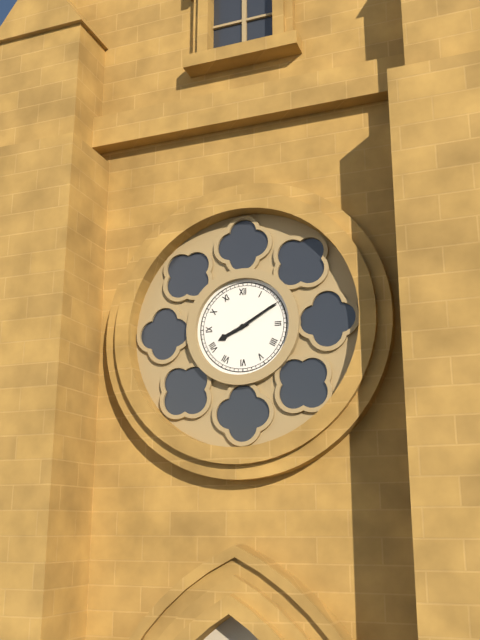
8:10
